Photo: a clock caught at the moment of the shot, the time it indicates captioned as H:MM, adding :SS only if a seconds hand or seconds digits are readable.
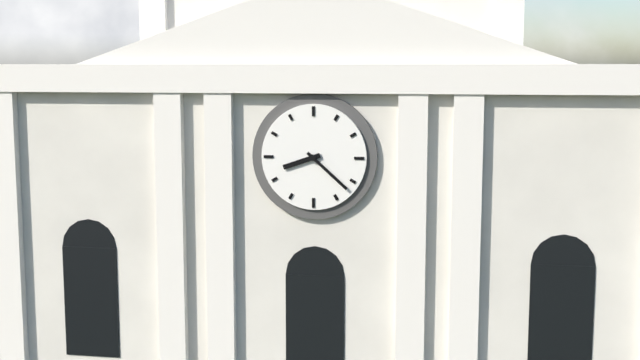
8:22
